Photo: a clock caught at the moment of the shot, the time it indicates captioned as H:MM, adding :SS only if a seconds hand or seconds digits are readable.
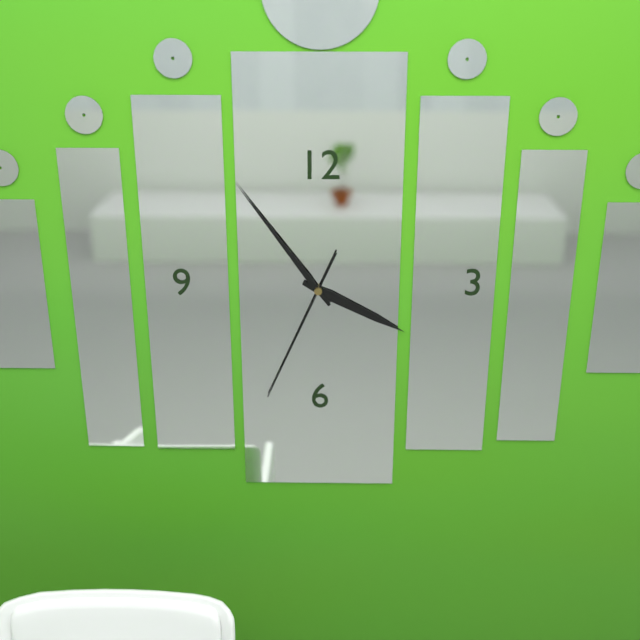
3:54:34
